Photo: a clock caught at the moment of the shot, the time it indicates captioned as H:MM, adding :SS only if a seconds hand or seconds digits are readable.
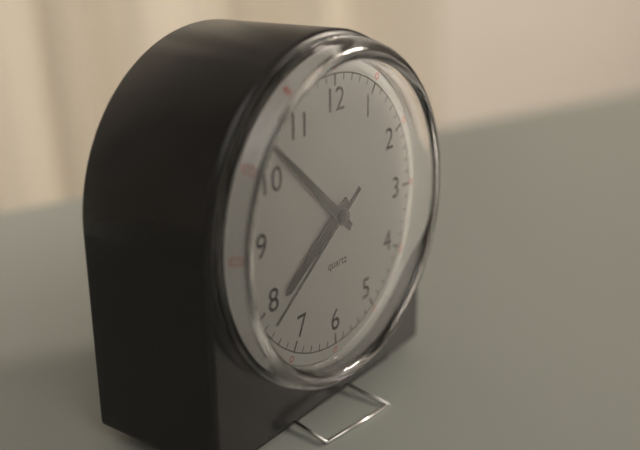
7:52:39
